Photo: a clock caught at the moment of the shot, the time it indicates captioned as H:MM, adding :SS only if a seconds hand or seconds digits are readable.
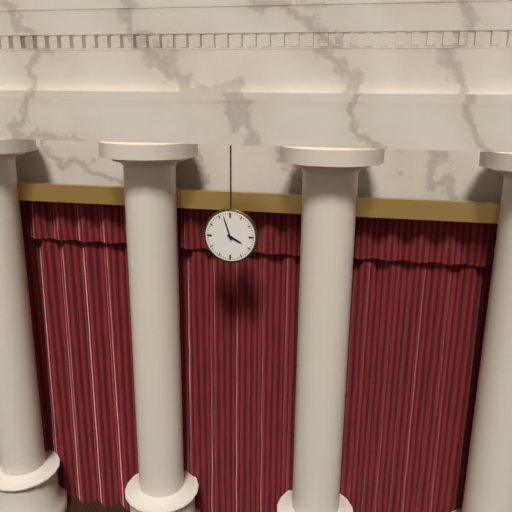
3:57
